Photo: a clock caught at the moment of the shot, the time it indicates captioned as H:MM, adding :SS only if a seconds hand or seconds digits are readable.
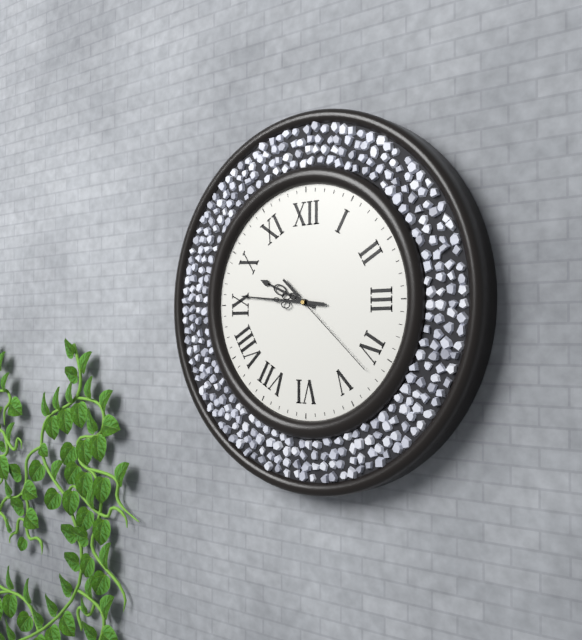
9:46:22
